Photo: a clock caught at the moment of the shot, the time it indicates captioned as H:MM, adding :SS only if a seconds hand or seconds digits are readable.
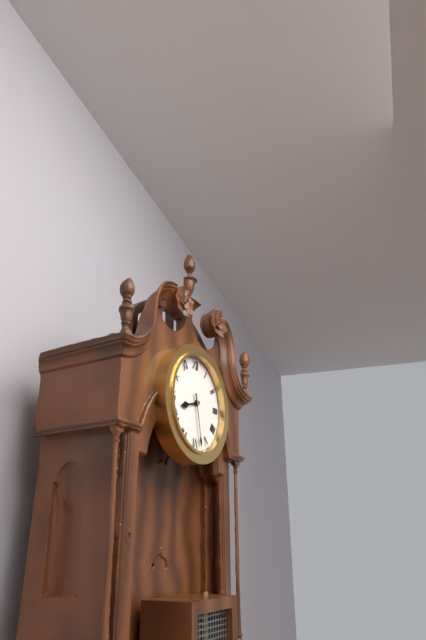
8:28
